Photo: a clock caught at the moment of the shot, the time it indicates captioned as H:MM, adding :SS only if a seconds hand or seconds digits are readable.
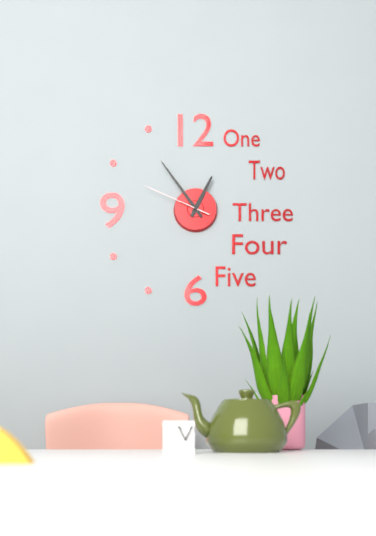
12:54:49
